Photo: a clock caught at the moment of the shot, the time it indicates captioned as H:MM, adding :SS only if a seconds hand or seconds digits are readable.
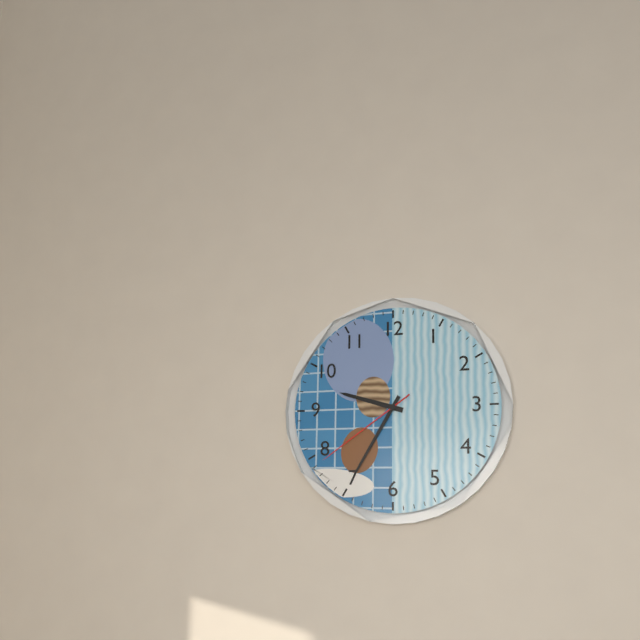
9:35:39
